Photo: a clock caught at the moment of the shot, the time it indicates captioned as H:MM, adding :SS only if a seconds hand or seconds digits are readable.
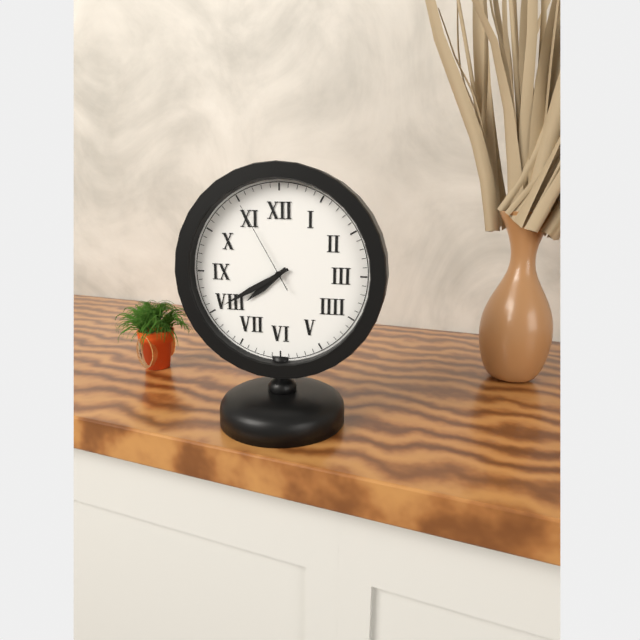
7:40:55
